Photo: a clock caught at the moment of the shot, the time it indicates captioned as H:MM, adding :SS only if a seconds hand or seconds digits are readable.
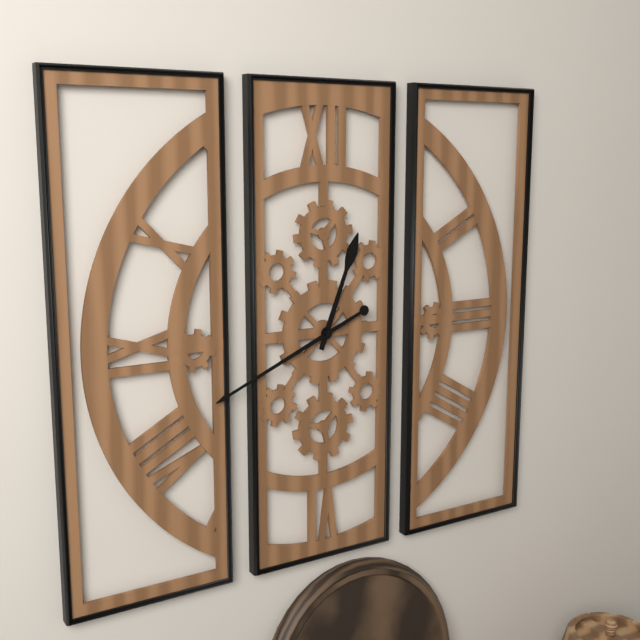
12:41
